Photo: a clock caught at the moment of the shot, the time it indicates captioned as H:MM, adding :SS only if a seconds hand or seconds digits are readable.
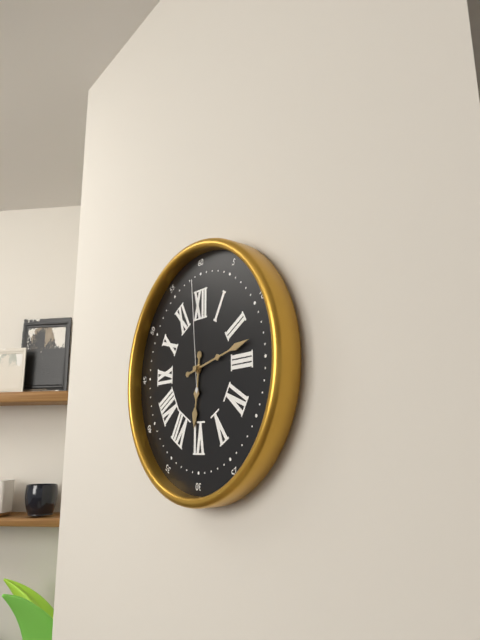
6:13:59
